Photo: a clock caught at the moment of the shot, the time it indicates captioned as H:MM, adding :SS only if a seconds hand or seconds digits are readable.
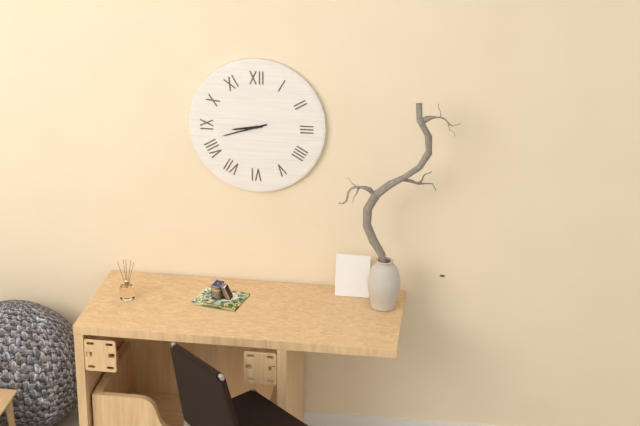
8:42
